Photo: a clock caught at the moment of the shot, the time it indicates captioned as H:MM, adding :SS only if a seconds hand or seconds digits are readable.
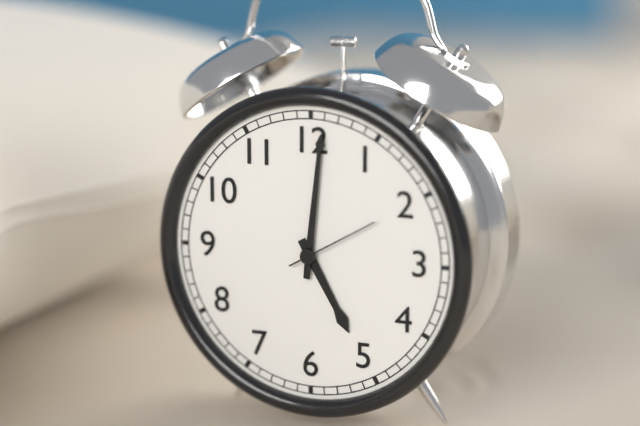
5:01:10
